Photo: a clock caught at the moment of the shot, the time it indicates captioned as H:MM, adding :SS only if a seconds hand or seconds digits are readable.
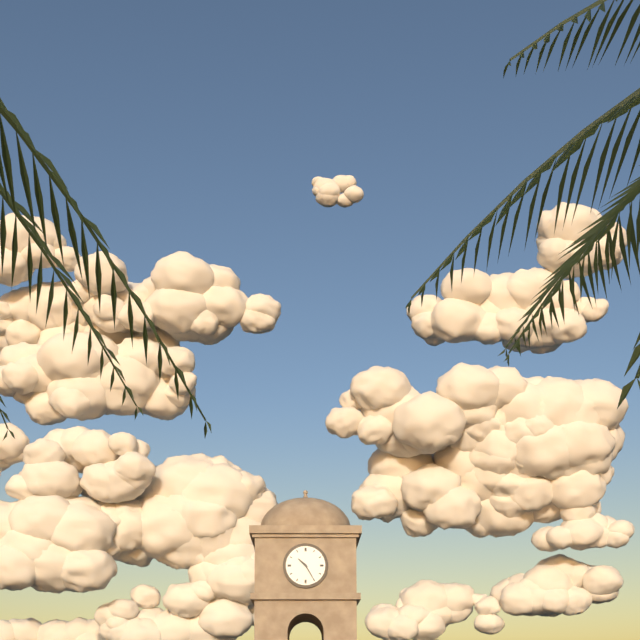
10:25
